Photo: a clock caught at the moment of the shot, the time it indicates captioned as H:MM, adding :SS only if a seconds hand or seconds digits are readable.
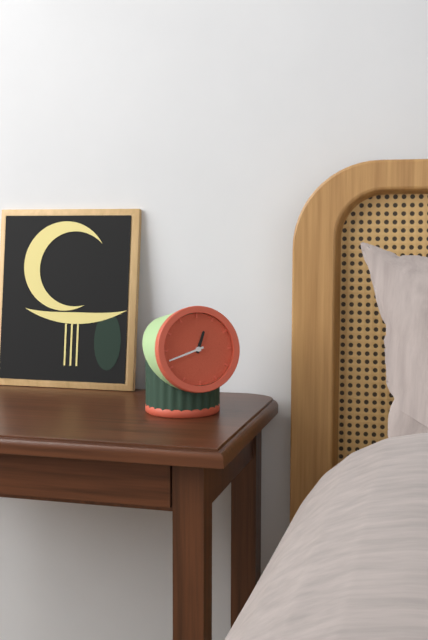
12:42
